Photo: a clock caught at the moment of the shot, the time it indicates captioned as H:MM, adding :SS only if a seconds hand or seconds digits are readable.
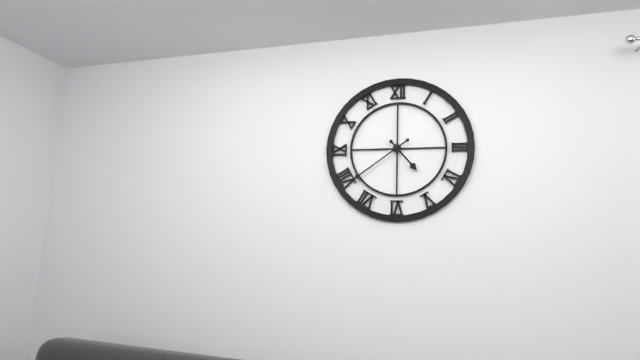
4:39
